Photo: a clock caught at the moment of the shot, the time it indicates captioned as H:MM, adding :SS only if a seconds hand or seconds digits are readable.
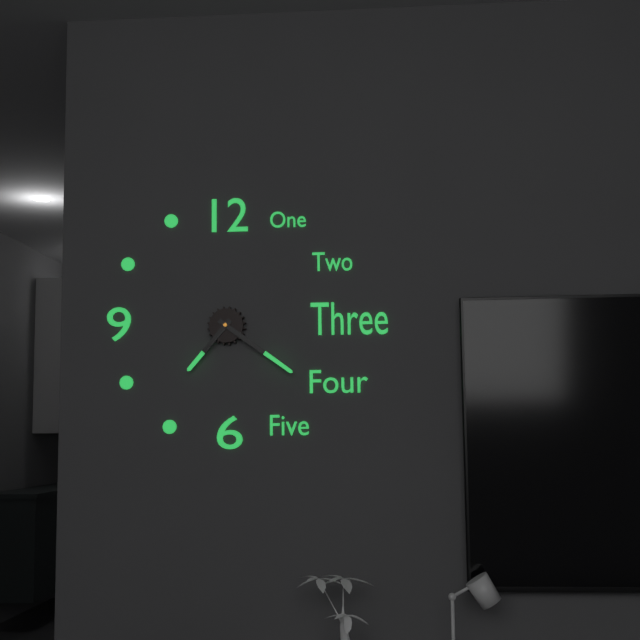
7:21
